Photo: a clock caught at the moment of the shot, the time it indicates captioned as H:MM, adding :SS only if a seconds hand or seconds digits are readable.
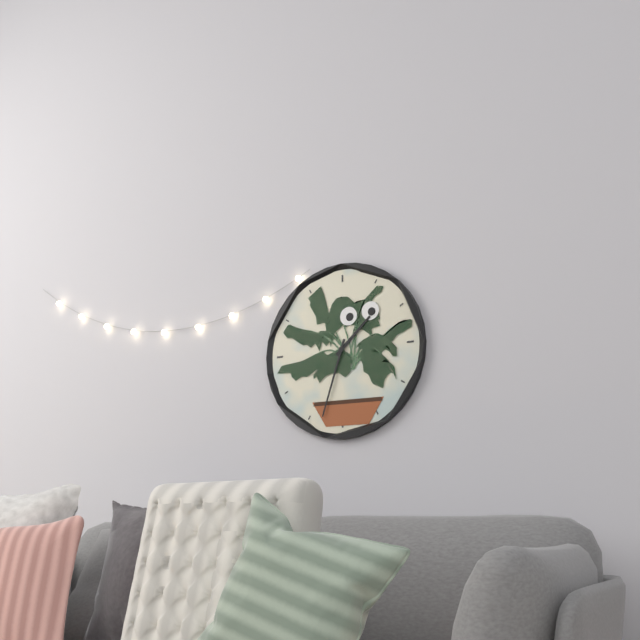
1:33
